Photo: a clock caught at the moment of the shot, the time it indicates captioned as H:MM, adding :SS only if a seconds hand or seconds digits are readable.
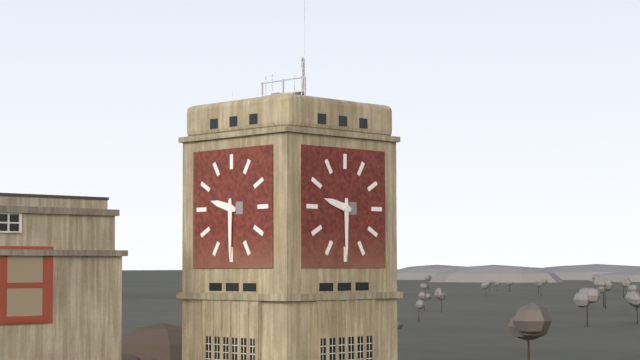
9:30
